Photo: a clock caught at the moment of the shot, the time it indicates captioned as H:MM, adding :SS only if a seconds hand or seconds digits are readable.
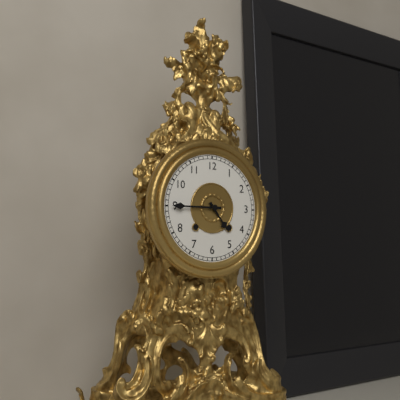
4:45
